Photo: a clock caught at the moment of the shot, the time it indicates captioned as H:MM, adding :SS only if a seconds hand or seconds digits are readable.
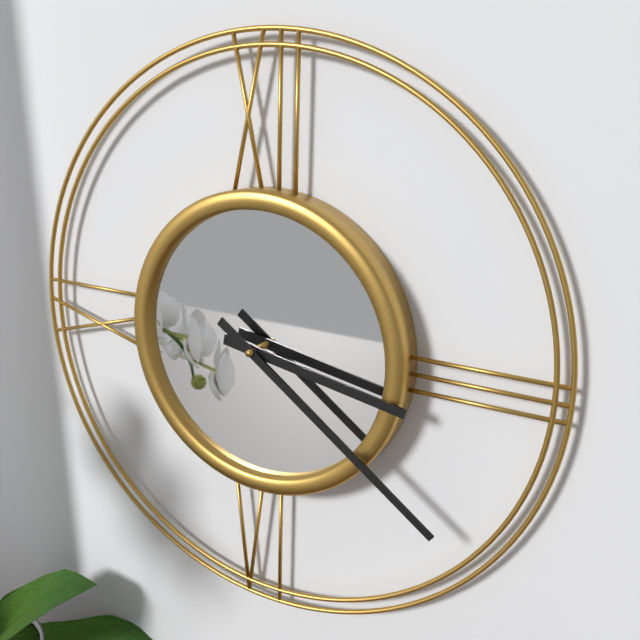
3:21
